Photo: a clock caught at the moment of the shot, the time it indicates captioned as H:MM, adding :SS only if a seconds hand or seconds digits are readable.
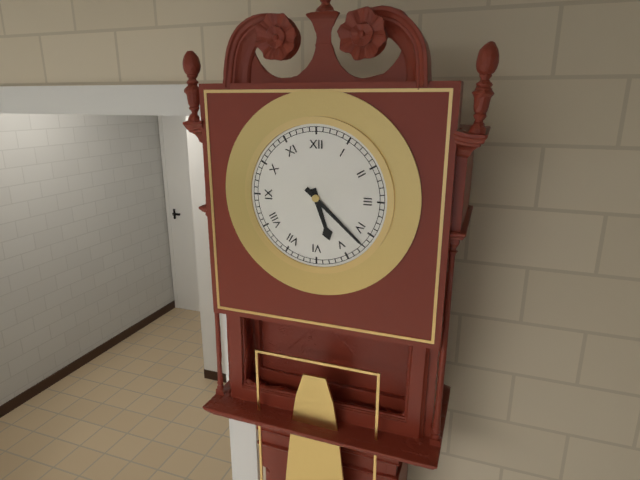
5:22
